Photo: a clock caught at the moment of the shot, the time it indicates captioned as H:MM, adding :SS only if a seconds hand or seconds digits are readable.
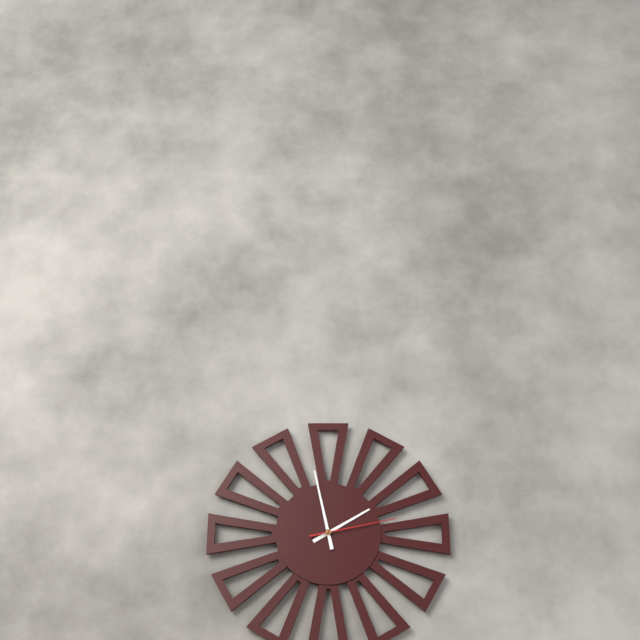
1:58:13
